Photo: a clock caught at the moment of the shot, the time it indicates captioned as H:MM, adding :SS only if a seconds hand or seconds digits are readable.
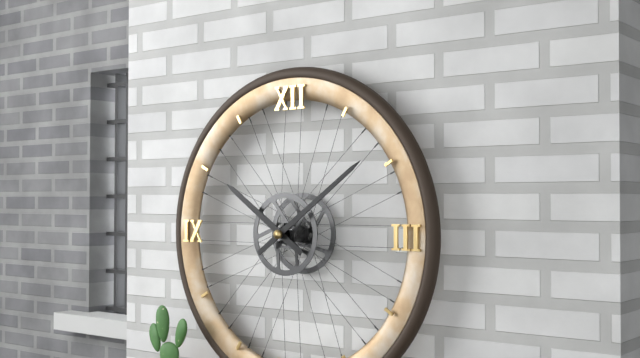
10:09
